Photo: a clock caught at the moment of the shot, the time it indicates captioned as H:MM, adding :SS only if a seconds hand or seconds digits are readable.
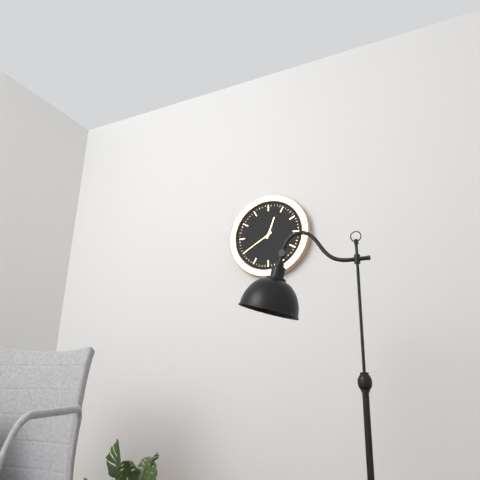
12:40
